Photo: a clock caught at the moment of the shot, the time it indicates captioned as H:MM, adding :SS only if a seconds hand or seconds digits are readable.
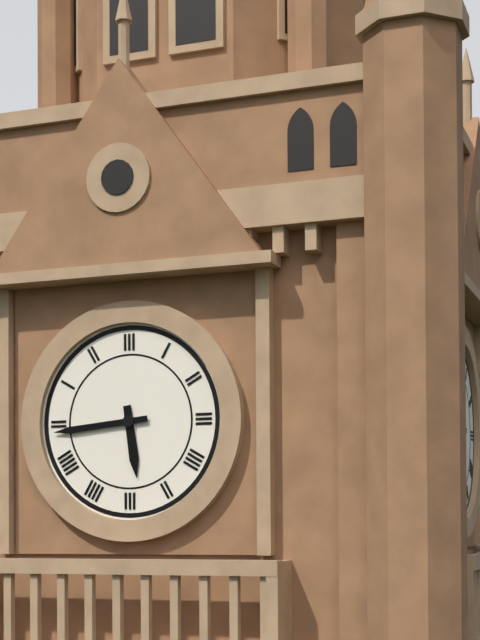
5:44
